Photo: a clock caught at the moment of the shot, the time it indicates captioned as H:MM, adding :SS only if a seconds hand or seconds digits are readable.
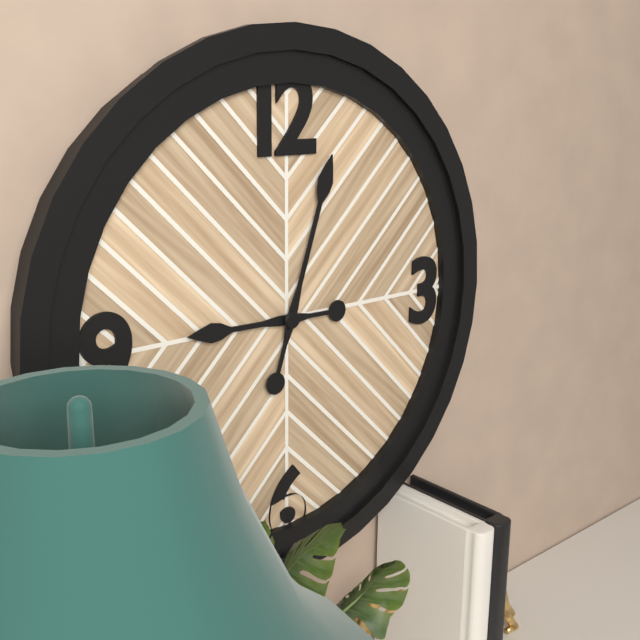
9:03
